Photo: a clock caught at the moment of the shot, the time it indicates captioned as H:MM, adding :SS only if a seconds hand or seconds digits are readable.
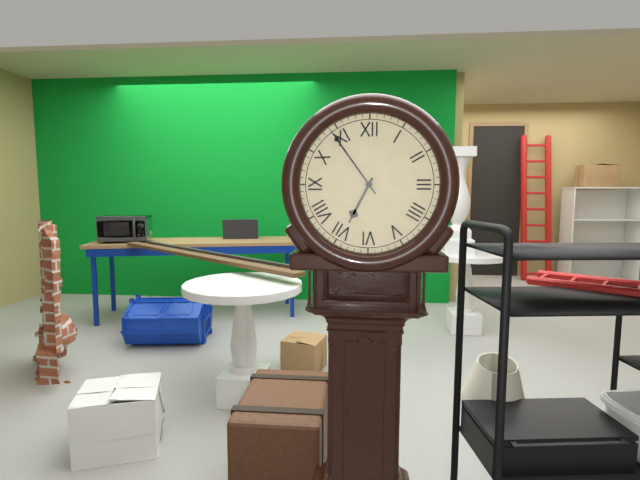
6:54
